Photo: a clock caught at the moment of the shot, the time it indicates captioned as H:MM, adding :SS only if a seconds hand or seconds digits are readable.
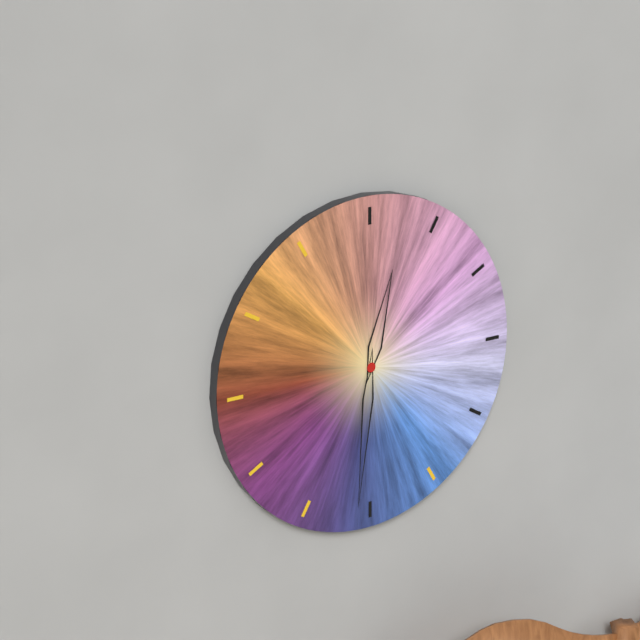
12:31
